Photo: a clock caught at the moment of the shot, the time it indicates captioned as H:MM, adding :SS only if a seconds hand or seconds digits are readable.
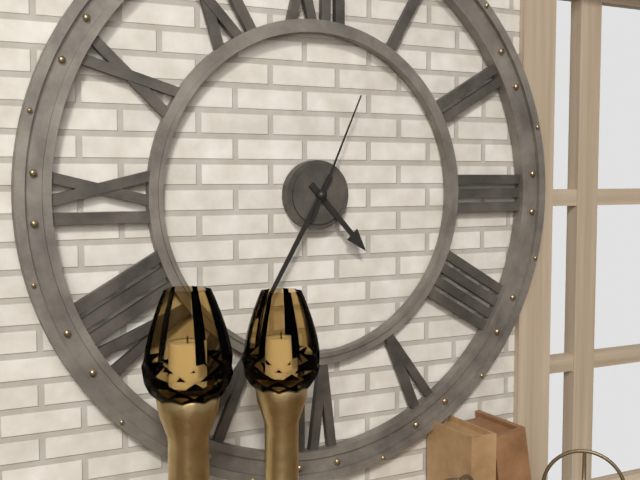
4:35:04
